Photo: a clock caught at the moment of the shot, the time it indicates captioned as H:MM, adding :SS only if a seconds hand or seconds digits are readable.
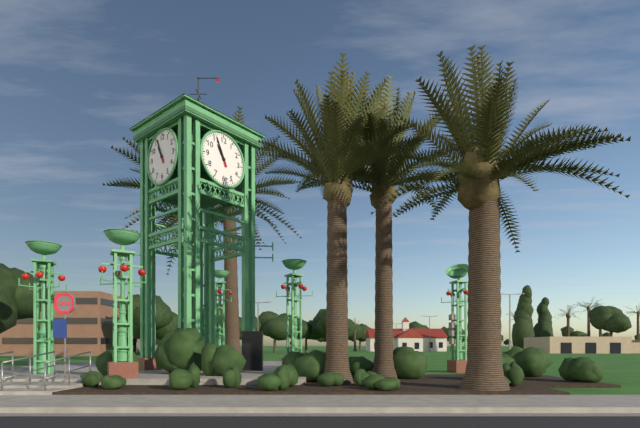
10:56
